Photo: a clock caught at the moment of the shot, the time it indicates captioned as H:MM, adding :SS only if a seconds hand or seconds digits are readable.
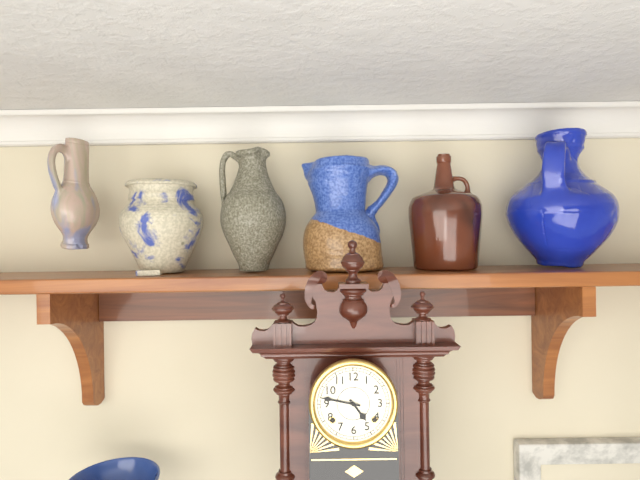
4:47
